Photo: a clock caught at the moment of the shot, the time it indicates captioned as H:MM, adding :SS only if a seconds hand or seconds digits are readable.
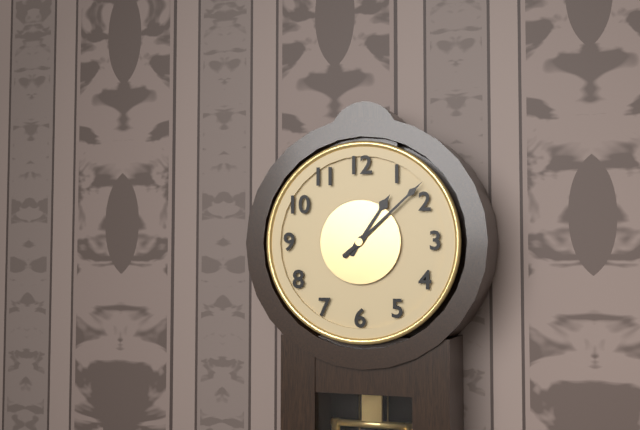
1:08
